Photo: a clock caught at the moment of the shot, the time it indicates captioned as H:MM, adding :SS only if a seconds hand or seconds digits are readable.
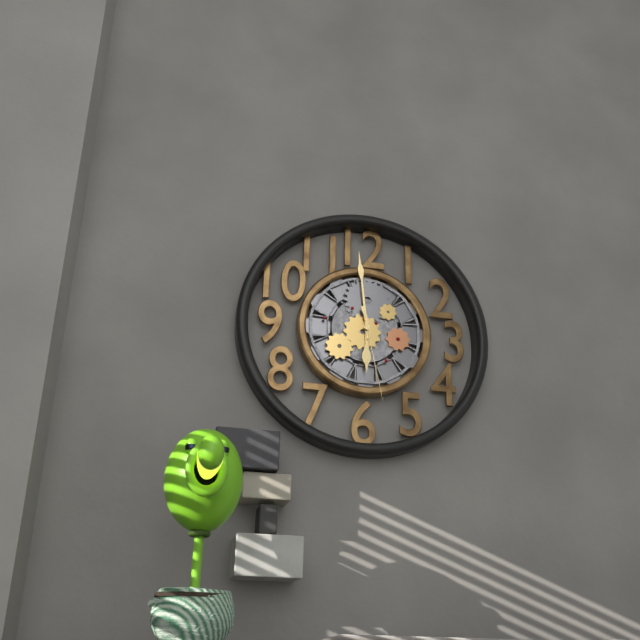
5:59:28
